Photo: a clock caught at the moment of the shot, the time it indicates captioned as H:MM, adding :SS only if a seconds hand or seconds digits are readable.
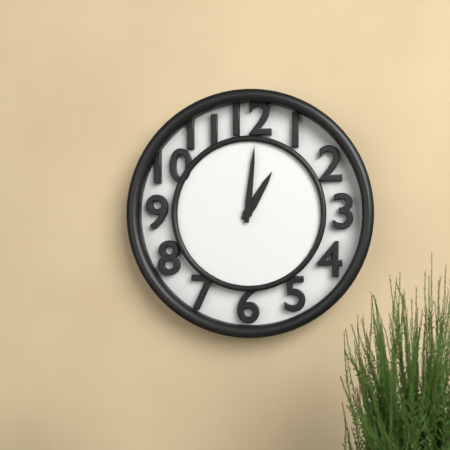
1:01
